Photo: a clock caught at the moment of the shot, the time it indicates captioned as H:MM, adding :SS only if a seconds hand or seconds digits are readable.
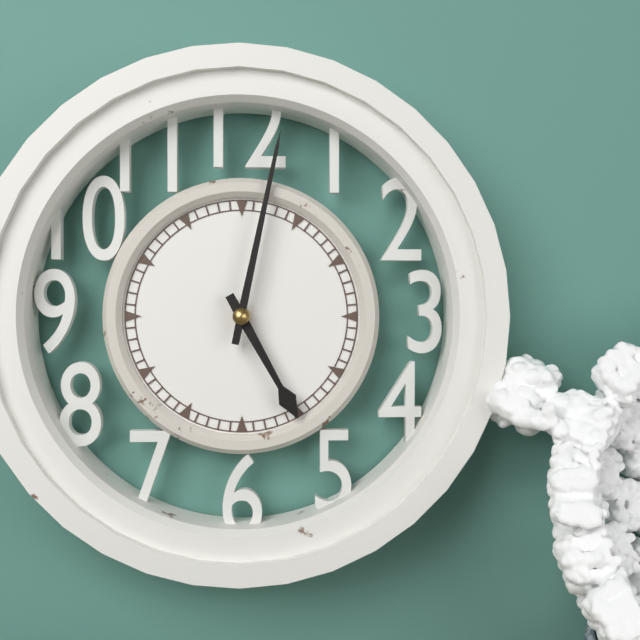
5:02
